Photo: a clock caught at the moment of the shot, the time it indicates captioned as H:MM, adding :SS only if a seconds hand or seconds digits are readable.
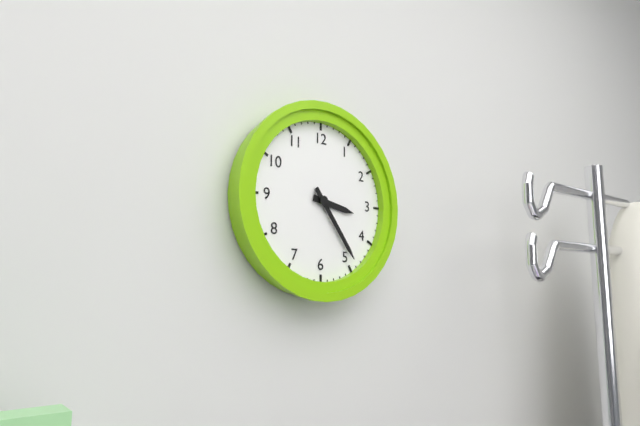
3:24
